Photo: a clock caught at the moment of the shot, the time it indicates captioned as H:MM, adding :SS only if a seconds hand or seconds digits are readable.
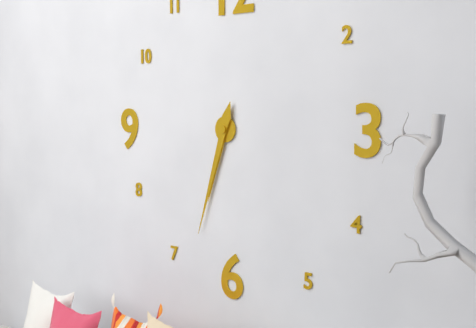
6:33
